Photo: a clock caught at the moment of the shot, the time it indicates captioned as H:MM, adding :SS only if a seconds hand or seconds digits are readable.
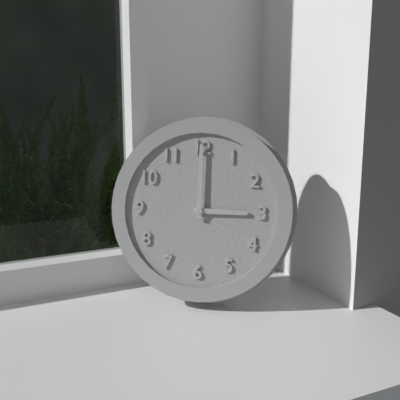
3:00
